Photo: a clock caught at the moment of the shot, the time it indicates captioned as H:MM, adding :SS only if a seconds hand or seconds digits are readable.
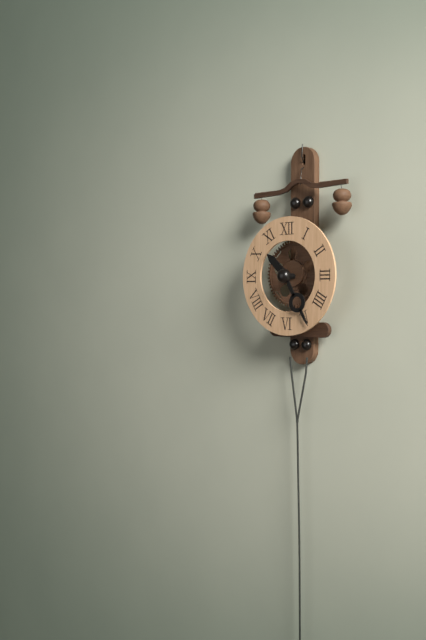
10:25
